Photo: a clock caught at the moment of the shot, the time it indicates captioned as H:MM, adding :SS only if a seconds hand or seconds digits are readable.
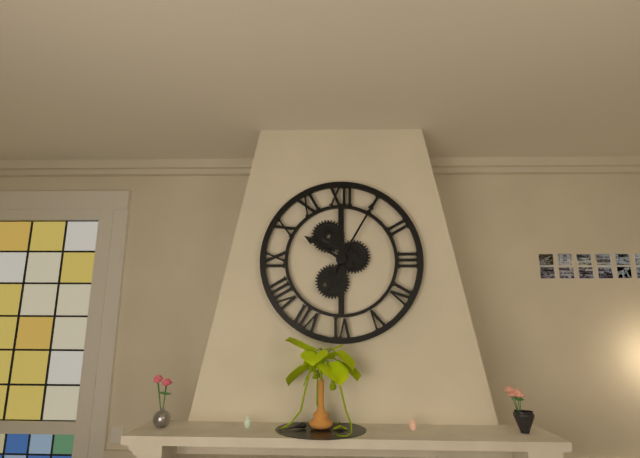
10:05
